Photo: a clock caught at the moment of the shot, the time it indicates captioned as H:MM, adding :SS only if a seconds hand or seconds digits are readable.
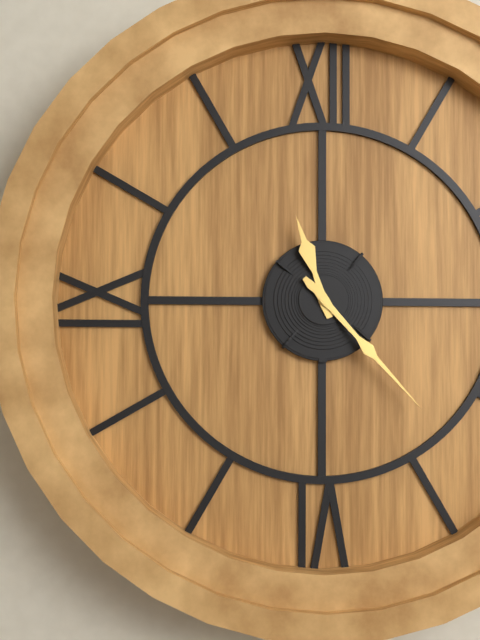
11:23
